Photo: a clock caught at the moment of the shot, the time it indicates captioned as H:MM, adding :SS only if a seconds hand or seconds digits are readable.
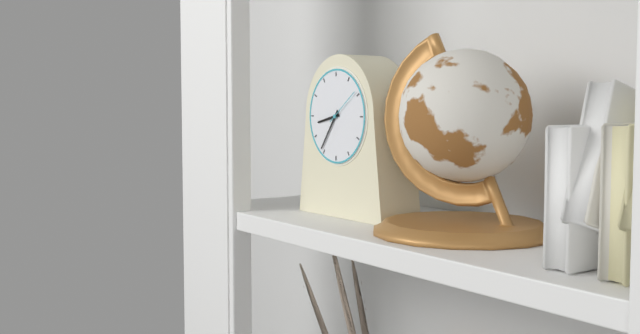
8:36
